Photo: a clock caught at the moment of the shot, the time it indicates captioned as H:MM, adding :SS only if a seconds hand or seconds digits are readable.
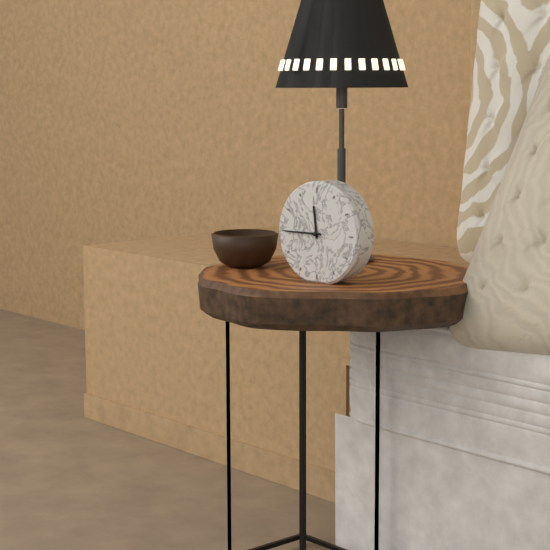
11:45
